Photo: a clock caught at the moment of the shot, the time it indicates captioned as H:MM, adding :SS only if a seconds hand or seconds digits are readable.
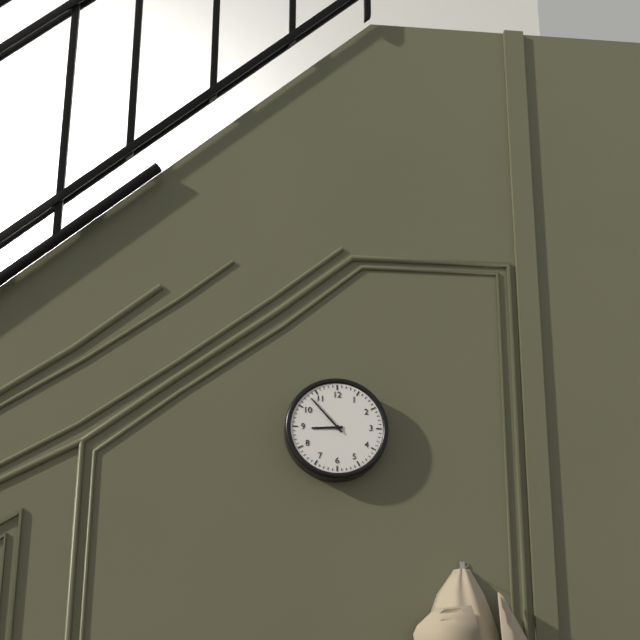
8:53
